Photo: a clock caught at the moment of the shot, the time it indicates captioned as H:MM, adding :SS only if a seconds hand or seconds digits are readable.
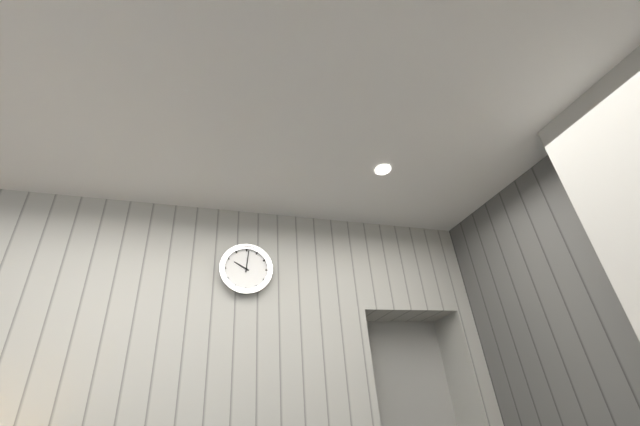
10:01
